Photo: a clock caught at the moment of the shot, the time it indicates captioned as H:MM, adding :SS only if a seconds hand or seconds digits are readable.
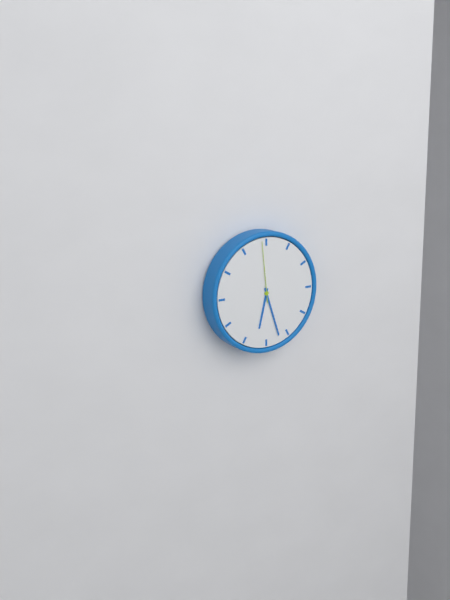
6:27:59
